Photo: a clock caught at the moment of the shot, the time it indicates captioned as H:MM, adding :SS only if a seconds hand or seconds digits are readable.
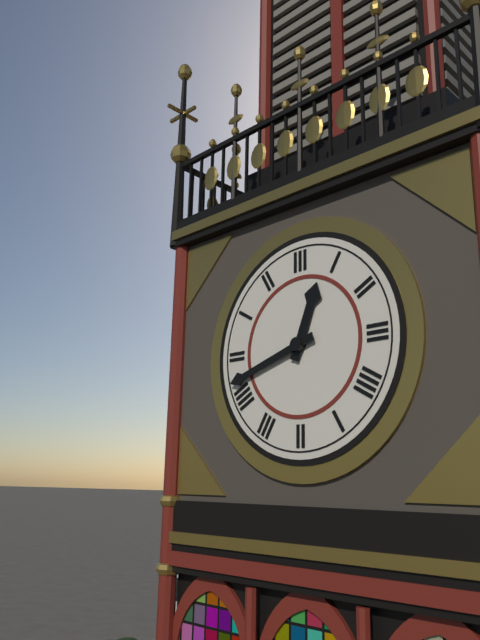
12:42
